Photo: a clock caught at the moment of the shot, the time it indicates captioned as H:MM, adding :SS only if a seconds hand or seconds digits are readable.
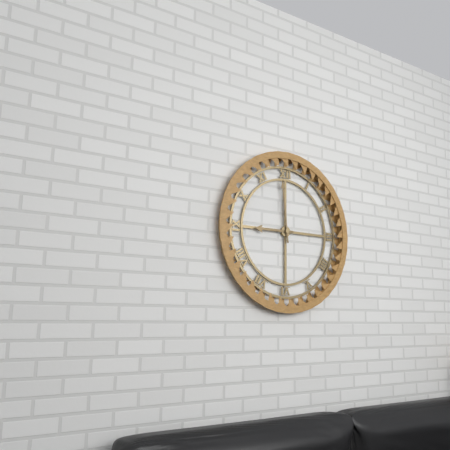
8:59
